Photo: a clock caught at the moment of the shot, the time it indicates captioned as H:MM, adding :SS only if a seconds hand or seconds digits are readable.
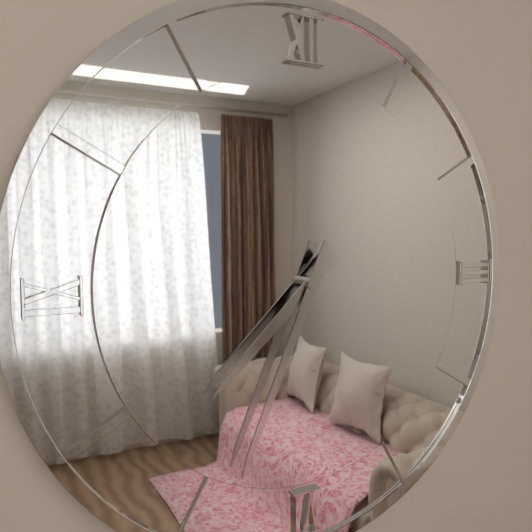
7:34
